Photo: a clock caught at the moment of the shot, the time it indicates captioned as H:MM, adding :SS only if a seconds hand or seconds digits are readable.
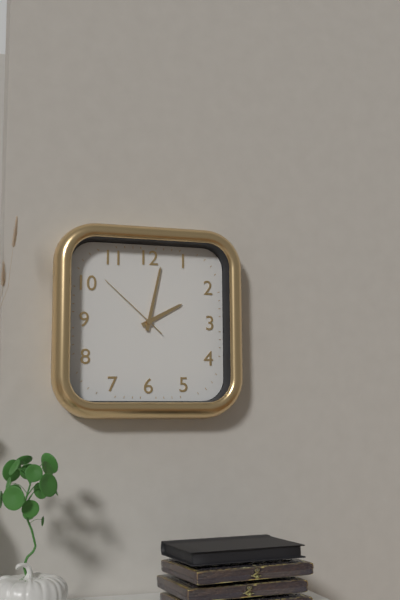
2:02:52
